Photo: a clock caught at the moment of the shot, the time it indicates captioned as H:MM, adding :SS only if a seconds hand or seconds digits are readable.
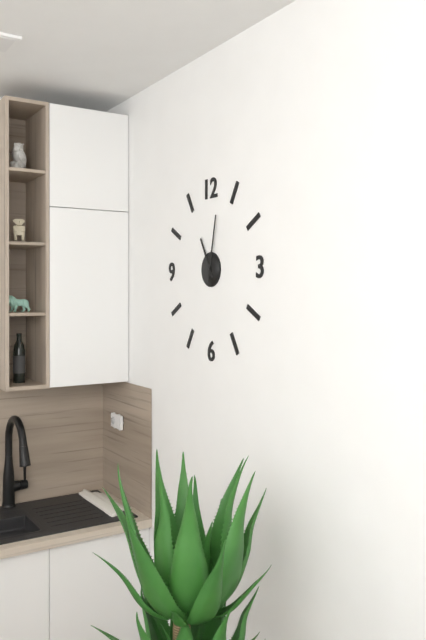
11:02
